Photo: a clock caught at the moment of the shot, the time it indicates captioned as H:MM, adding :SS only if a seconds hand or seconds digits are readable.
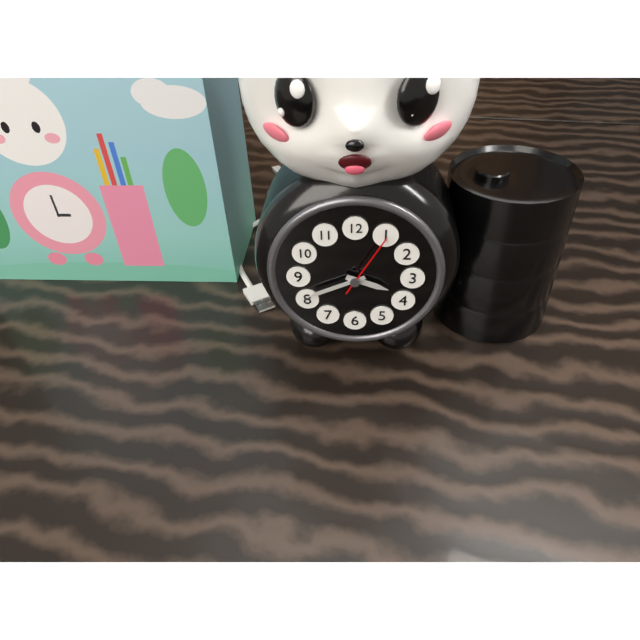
3:41:05
